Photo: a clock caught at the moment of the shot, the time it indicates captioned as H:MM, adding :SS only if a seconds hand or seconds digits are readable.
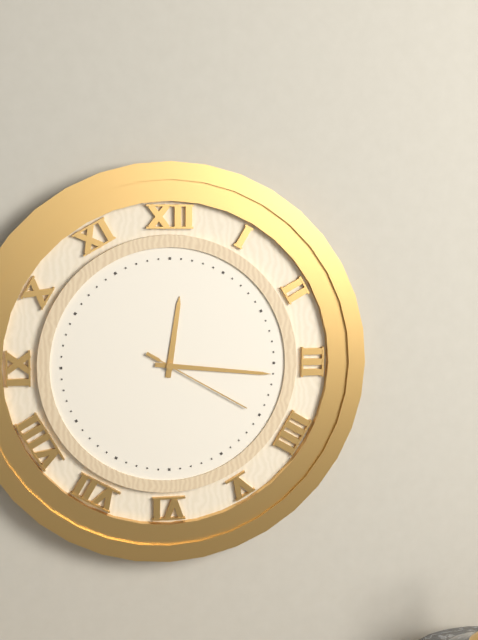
12:16:20
